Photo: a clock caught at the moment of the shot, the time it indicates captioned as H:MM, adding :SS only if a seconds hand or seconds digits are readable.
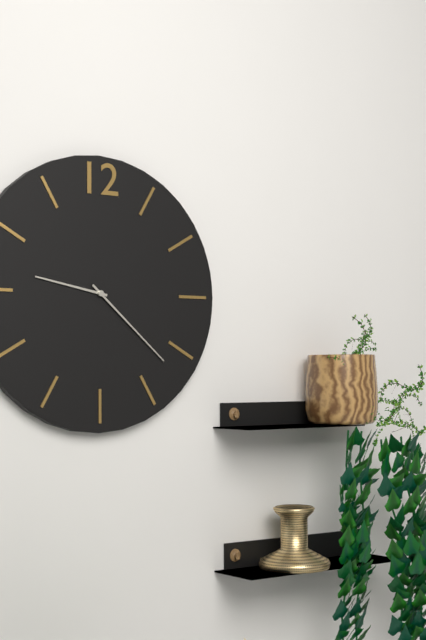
9:22
